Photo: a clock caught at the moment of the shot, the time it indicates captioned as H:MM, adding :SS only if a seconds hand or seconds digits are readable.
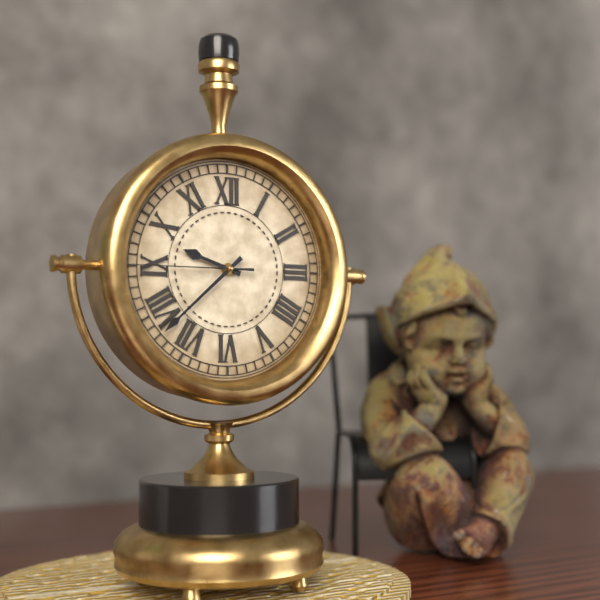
9:38:45
